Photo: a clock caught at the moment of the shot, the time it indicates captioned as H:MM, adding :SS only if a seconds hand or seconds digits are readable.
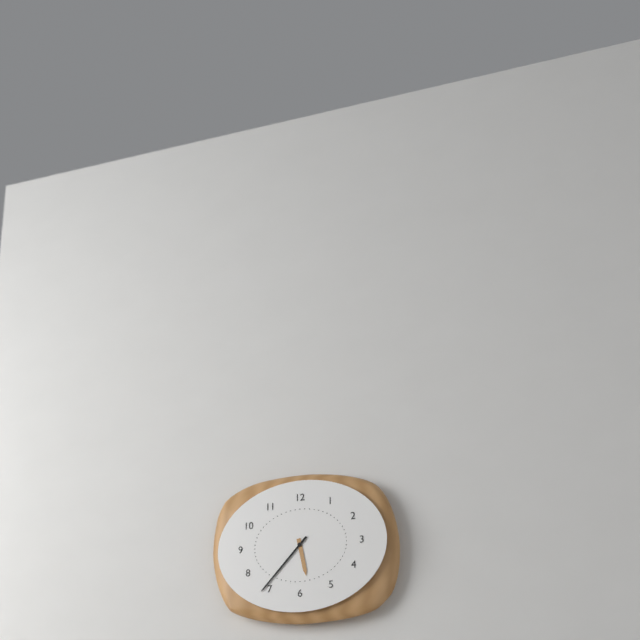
5:37
